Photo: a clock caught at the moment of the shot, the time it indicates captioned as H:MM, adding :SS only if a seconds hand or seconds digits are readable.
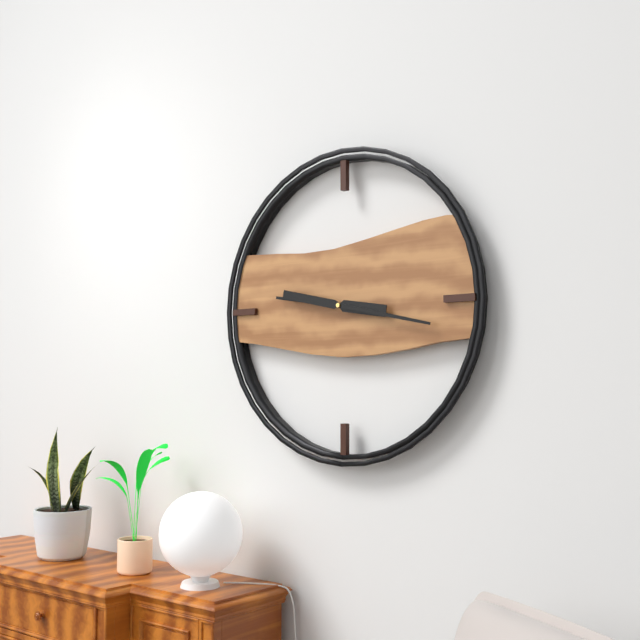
9:17
